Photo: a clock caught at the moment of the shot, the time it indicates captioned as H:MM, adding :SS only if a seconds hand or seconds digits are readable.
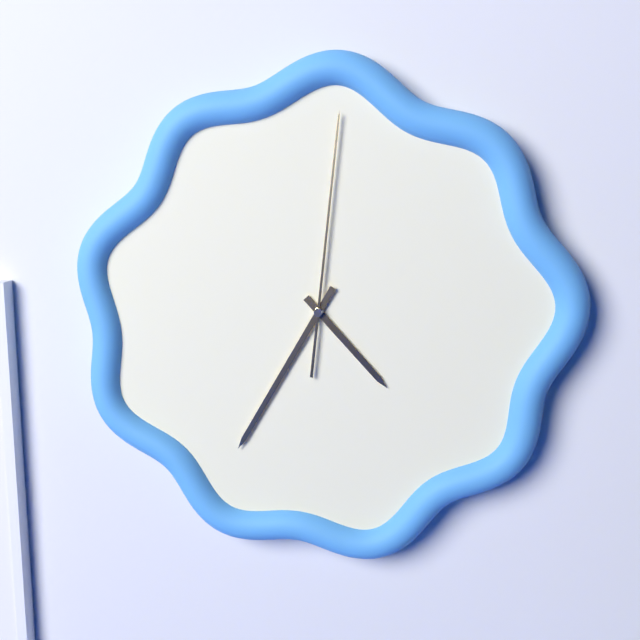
4:35:01
